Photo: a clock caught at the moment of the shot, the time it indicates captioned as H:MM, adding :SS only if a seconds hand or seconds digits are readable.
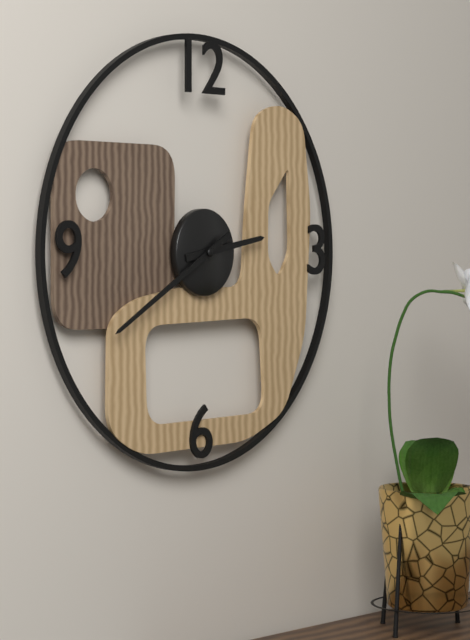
2:40
